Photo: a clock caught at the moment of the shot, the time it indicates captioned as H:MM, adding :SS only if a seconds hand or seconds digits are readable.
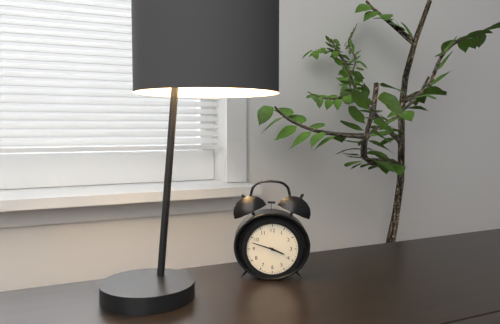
3:48
